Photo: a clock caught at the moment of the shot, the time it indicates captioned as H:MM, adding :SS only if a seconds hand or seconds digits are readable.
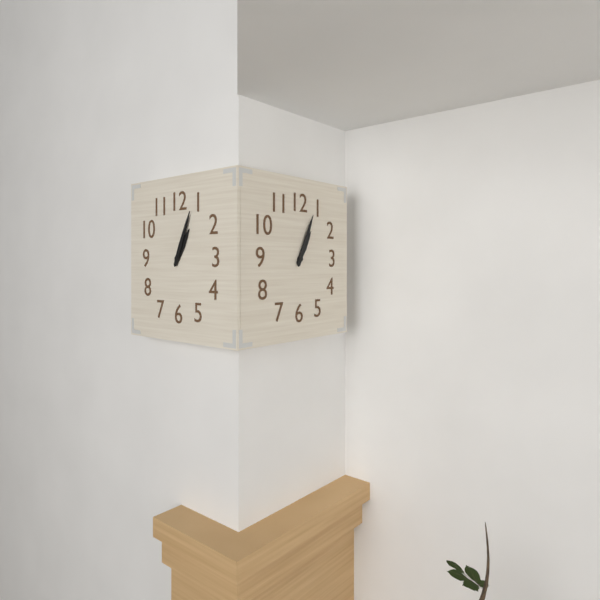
1:04
